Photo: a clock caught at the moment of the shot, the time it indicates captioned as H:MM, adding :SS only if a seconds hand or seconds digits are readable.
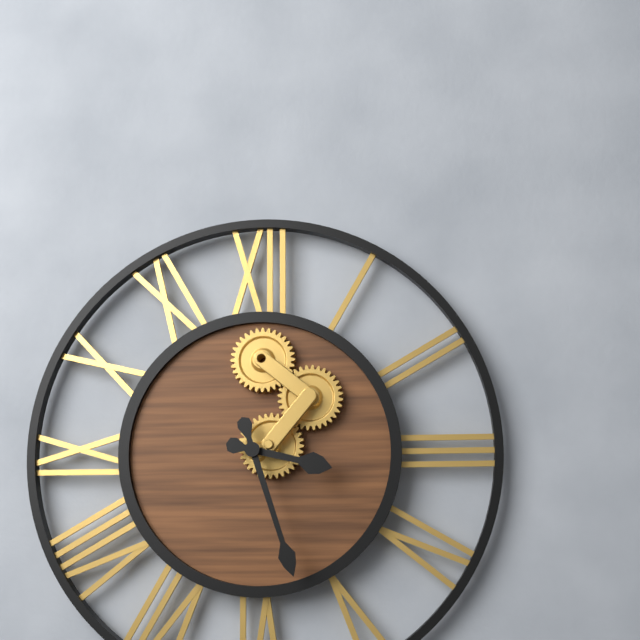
3:27
